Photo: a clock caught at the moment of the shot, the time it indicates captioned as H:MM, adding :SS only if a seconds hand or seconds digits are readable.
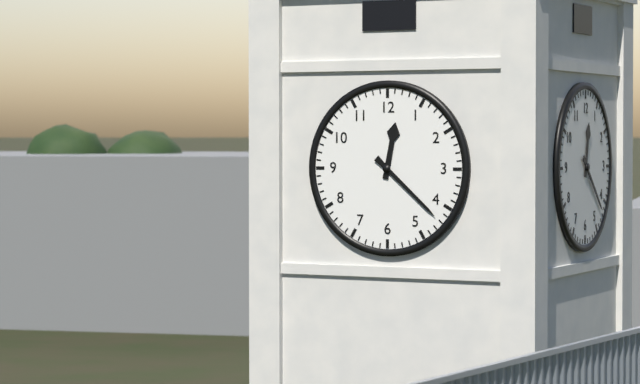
12:22
